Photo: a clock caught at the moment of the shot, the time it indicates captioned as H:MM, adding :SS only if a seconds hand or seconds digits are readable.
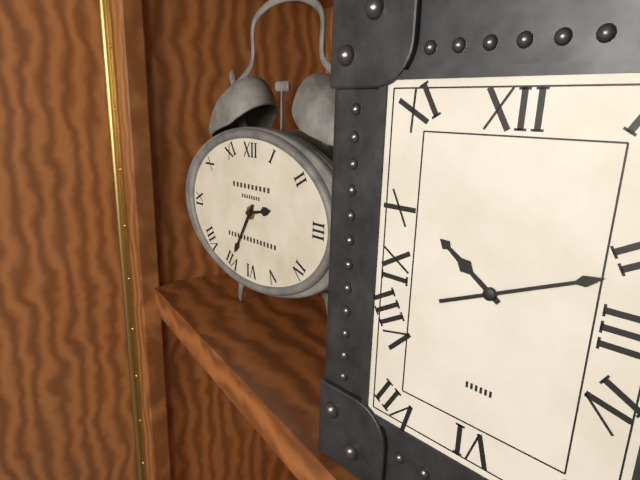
2:35
